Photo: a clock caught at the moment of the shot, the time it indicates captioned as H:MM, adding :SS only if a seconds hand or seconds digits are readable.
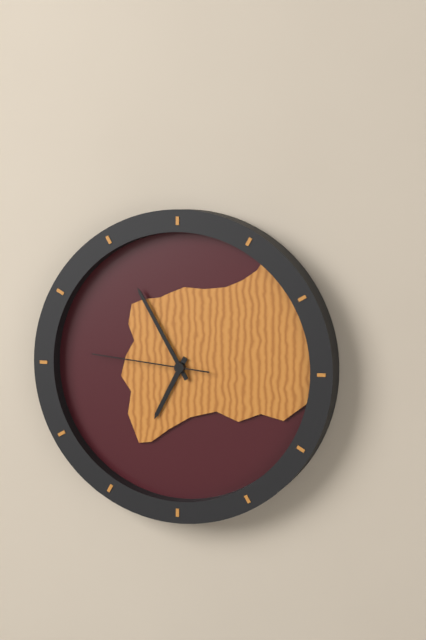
6:55:46
